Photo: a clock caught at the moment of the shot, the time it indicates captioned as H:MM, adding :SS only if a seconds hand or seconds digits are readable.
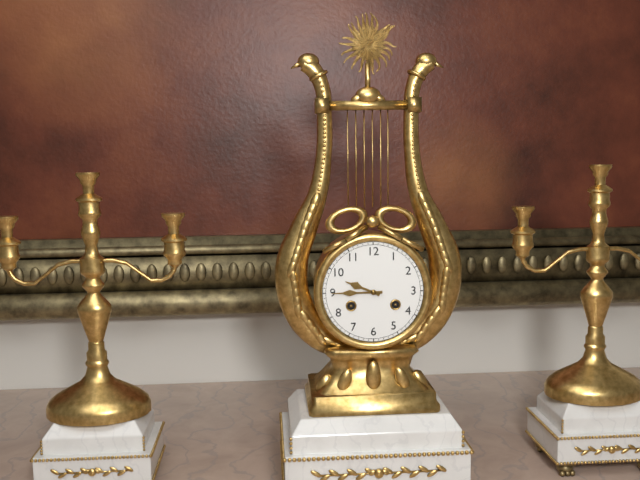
9:45
